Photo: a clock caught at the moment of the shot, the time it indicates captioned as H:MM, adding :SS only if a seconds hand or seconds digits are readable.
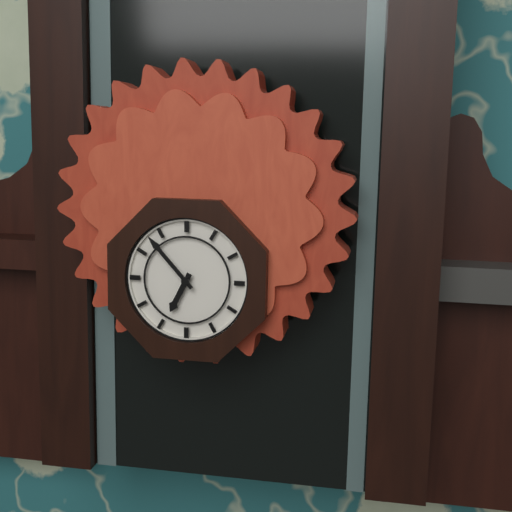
6:53
